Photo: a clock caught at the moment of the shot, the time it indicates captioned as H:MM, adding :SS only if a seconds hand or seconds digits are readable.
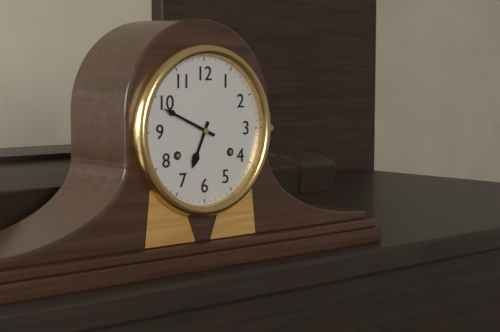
6:49
